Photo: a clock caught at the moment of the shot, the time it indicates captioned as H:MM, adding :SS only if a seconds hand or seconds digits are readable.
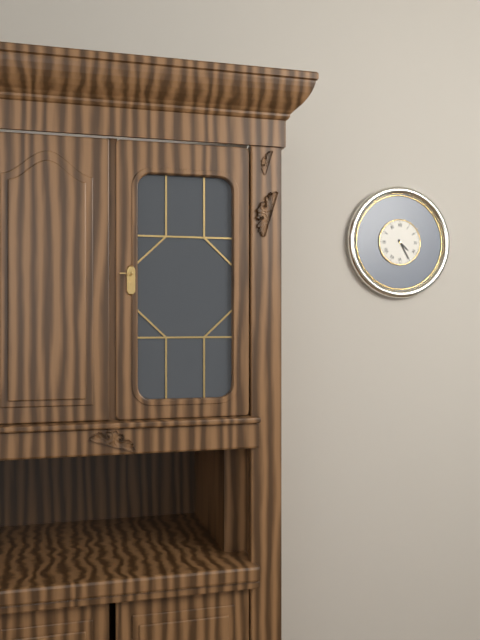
4:25
